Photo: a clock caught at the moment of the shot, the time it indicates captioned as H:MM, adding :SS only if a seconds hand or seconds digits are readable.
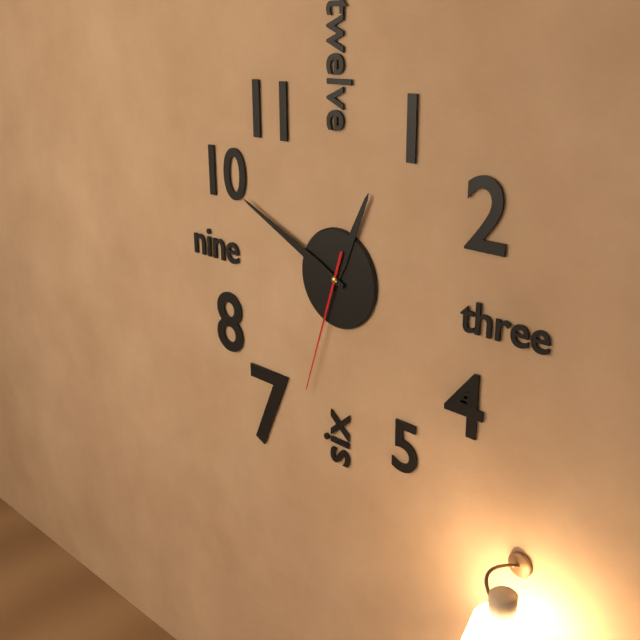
12:49:33
